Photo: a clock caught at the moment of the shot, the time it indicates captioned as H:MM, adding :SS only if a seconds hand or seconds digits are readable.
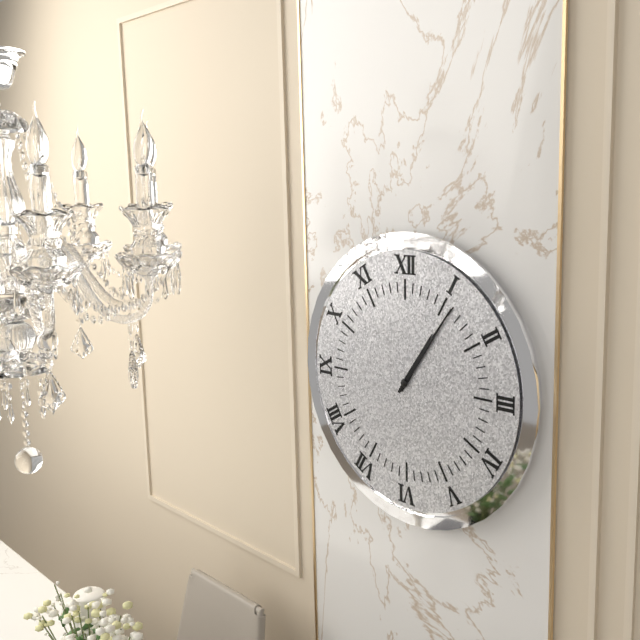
1:06
